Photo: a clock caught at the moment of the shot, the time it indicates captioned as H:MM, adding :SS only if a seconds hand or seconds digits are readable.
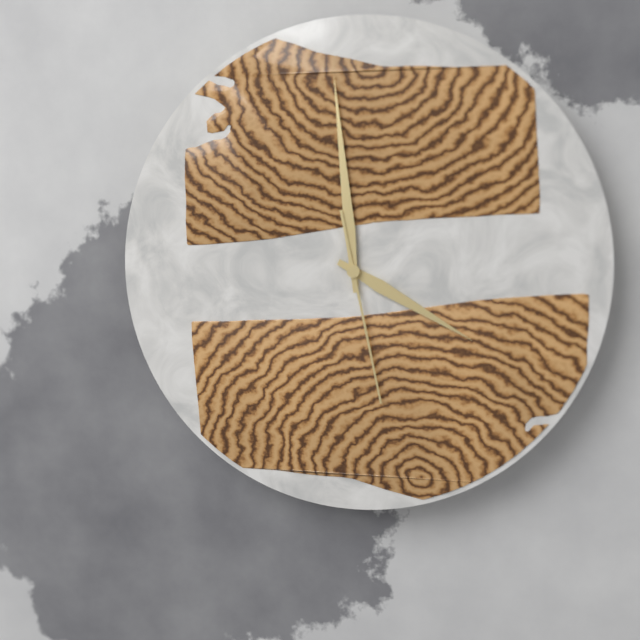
3:59:28
